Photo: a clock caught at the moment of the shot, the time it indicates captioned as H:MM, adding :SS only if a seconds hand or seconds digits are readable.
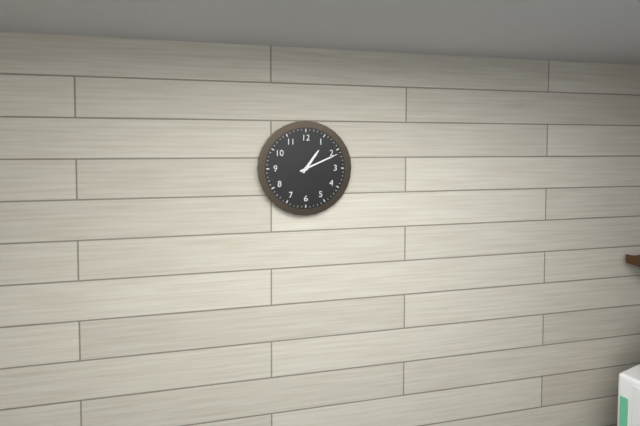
1:11
